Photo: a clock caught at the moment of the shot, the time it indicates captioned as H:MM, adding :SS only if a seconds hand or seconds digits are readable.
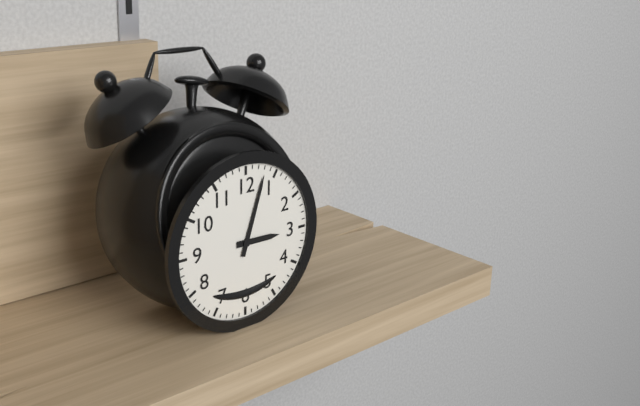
3:03
